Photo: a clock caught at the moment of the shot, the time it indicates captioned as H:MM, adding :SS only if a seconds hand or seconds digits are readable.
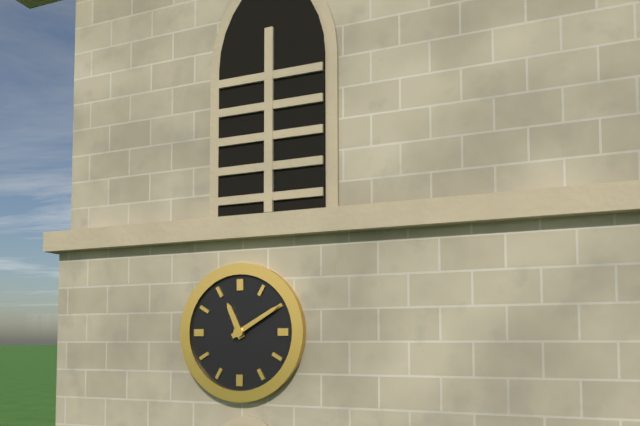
11:10
